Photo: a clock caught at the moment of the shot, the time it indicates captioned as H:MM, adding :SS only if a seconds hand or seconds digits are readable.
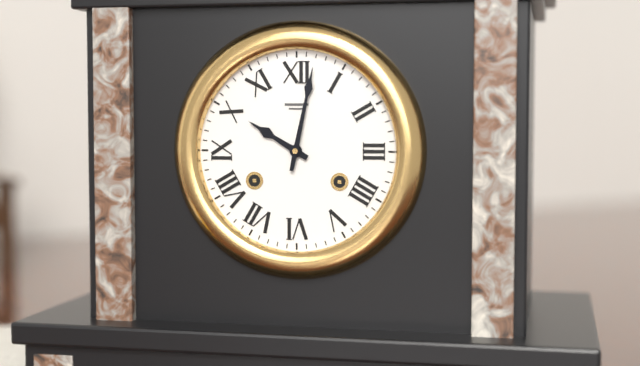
10:02
